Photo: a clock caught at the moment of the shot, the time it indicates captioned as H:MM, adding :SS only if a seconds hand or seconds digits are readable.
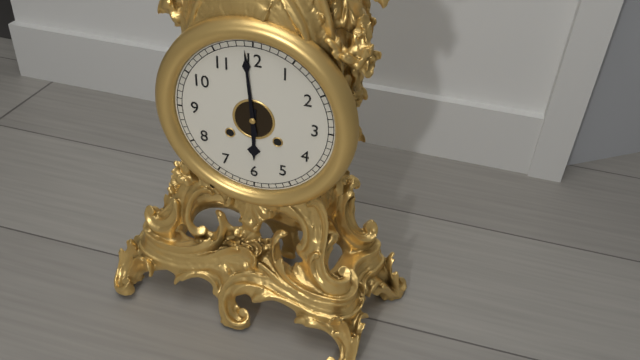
5:59
